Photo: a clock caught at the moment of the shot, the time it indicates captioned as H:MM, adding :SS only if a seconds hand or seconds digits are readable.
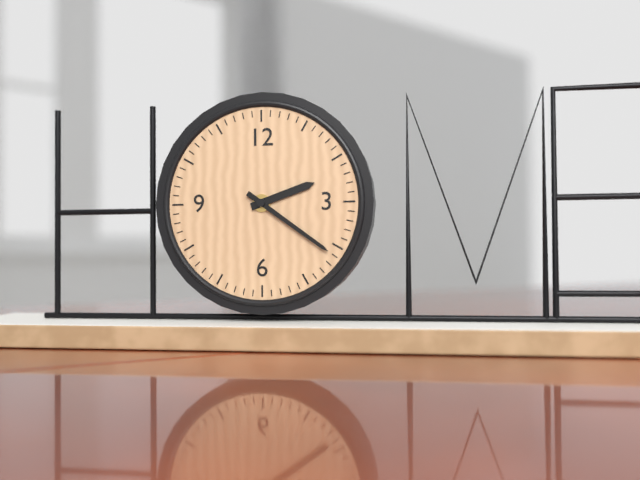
2:21
